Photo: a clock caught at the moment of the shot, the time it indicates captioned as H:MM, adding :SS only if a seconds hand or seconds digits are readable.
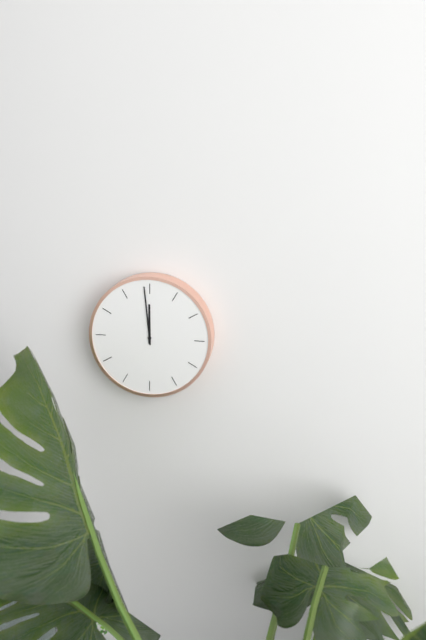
11:59
